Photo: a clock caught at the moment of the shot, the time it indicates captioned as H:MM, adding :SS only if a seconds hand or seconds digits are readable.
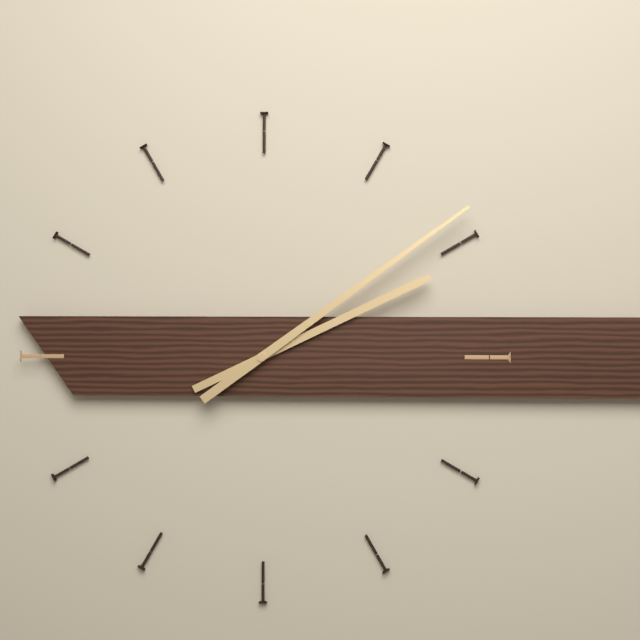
2:09
